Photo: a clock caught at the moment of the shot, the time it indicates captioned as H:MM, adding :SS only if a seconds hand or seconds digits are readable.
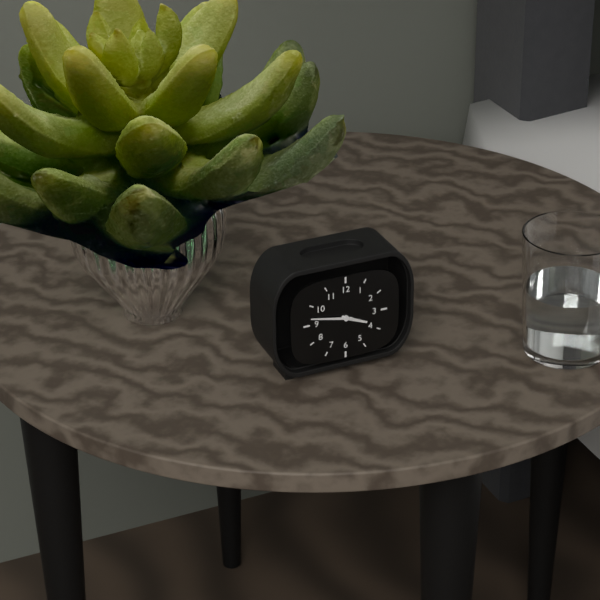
3:47
